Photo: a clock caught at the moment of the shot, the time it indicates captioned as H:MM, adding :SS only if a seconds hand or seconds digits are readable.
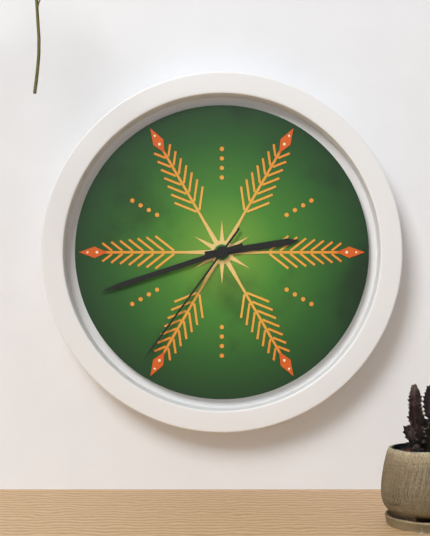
2:42:36
